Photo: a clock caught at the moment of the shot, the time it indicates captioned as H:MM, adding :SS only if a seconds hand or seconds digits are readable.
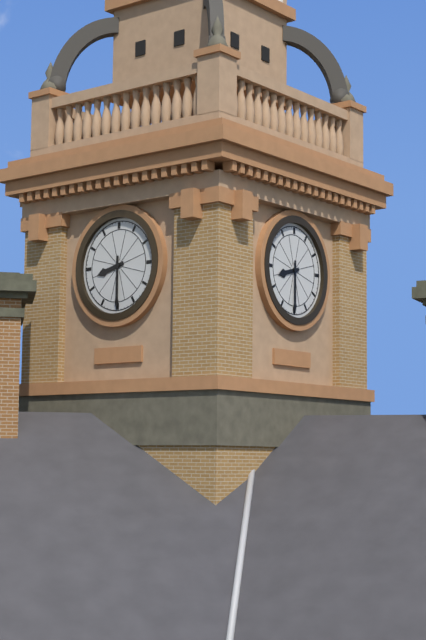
8:30
